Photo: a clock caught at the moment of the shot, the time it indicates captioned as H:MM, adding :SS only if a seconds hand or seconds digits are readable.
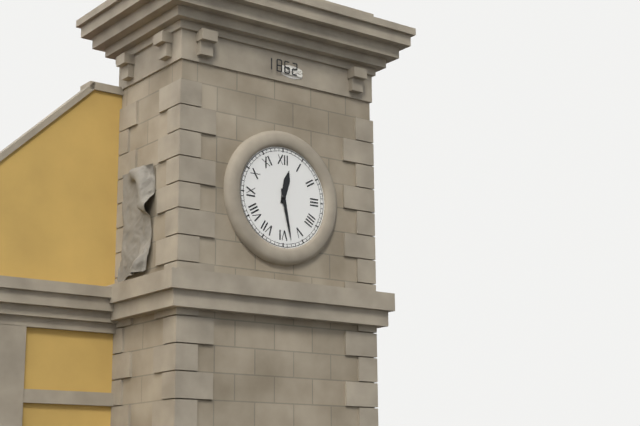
12:28
